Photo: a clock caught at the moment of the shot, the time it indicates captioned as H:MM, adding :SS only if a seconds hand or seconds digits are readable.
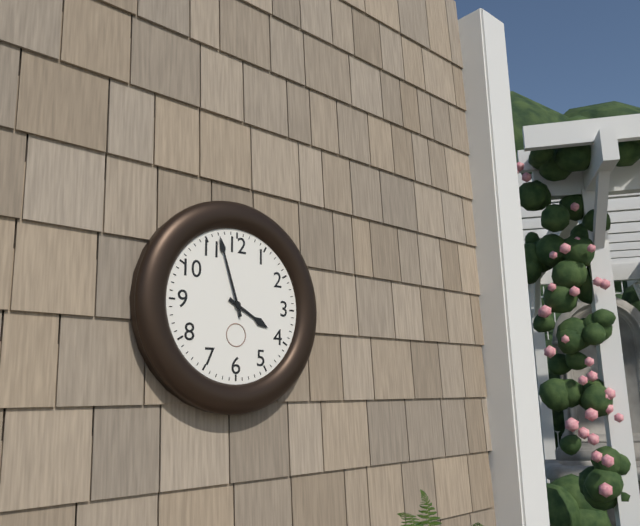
3:57
